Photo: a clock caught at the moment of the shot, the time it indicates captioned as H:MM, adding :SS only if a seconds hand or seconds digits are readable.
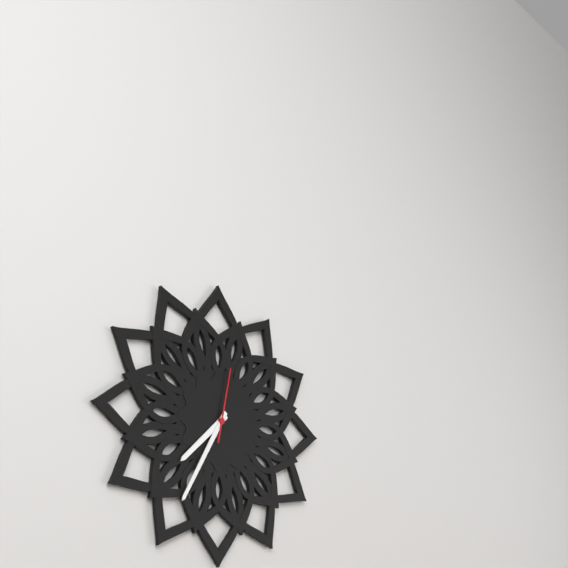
7:35:02
